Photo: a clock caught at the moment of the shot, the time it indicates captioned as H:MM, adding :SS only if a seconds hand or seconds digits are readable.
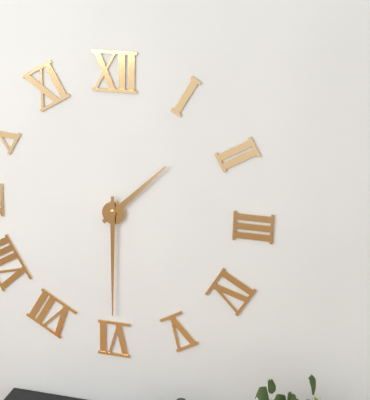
1:30
